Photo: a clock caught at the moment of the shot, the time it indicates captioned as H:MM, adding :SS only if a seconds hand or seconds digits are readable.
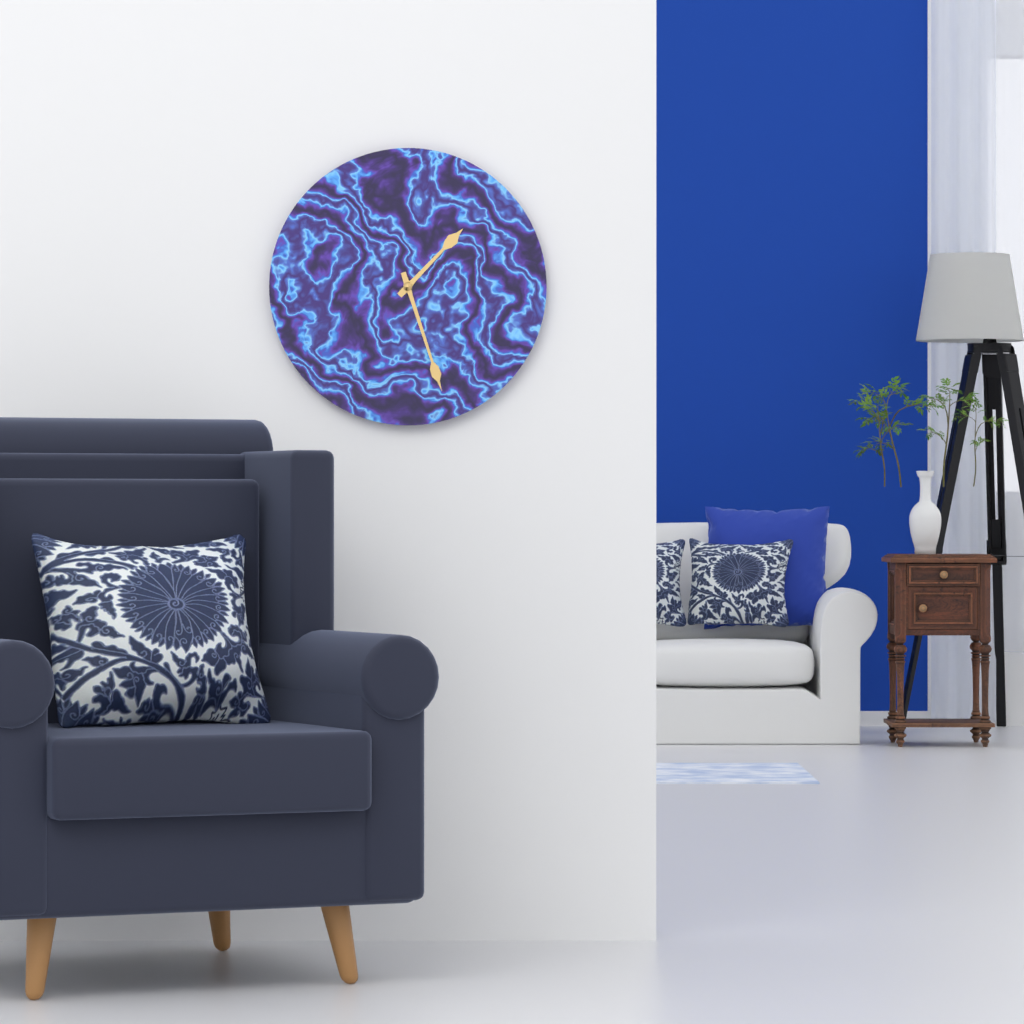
1:27
